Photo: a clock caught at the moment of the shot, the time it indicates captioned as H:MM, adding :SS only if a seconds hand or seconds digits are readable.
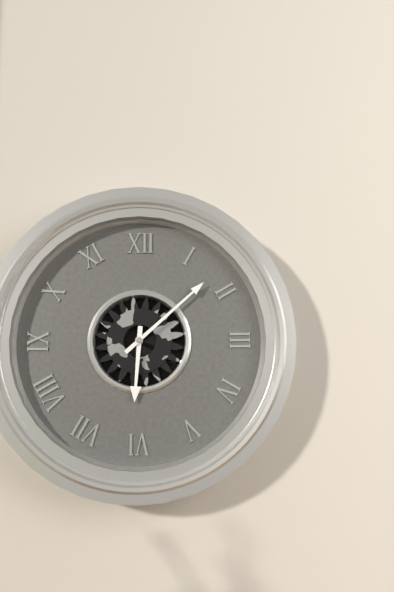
6:08
